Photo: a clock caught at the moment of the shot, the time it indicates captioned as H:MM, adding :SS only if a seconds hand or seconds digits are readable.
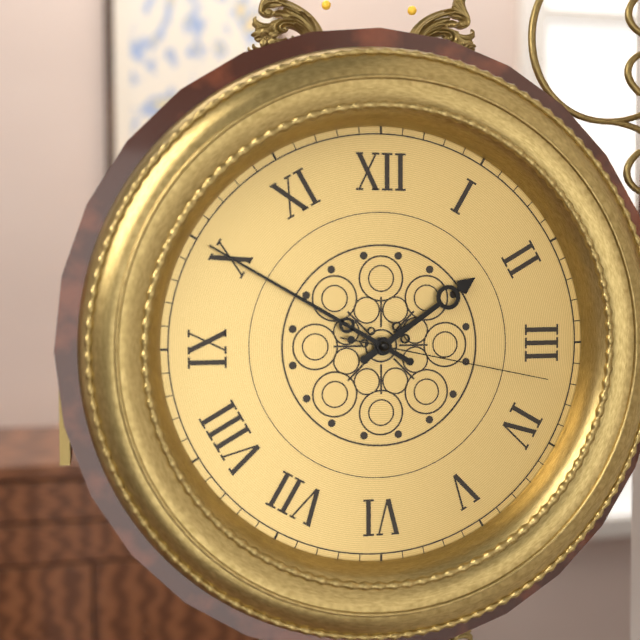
1:50:17
